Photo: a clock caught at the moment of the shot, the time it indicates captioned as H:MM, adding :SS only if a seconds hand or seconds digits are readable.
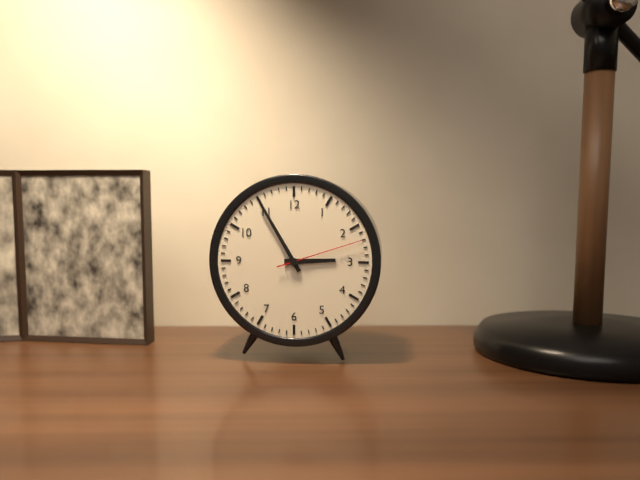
2:55:12
